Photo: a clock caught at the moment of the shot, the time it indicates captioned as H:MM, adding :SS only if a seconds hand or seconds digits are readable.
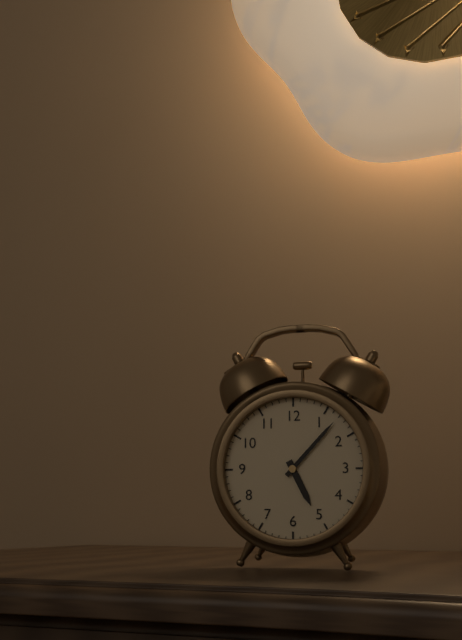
5:07
